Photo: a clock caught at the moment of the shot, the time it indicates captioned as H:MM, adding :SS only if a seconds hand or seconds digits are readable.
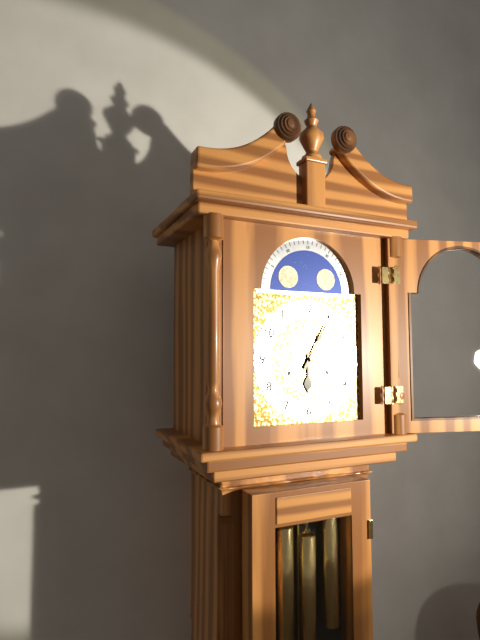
6:05
